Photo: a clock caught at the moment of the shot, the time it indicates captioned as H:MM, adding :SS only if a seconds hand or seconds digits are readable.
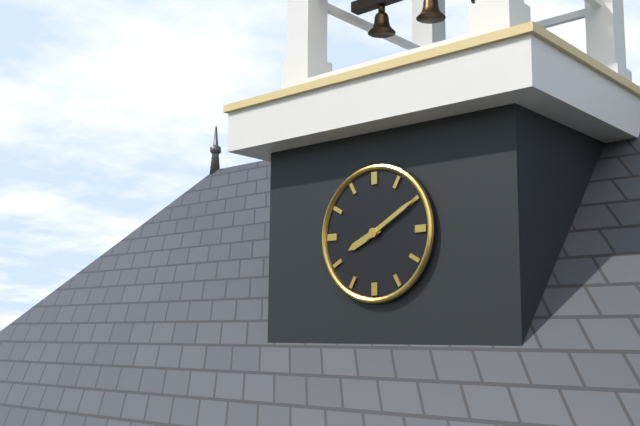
8:10
